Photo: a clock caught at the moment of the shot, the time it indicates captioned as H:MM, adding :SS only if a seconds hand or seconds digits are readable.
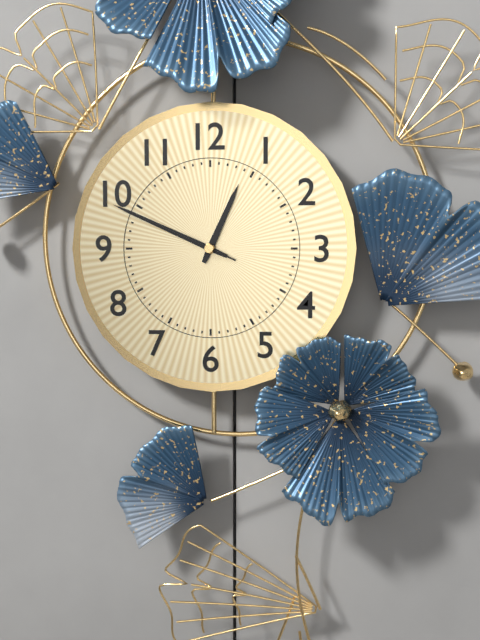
12:49:49
